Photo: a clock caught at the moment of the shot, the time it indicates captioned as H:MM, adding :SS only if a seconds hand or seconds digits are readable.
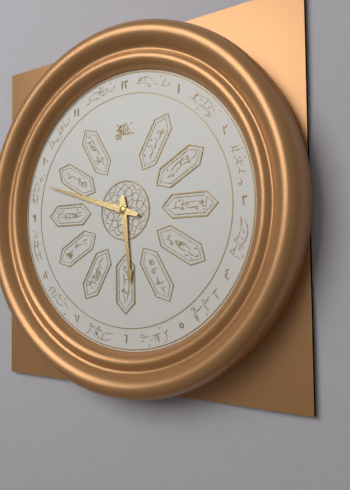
5:48
